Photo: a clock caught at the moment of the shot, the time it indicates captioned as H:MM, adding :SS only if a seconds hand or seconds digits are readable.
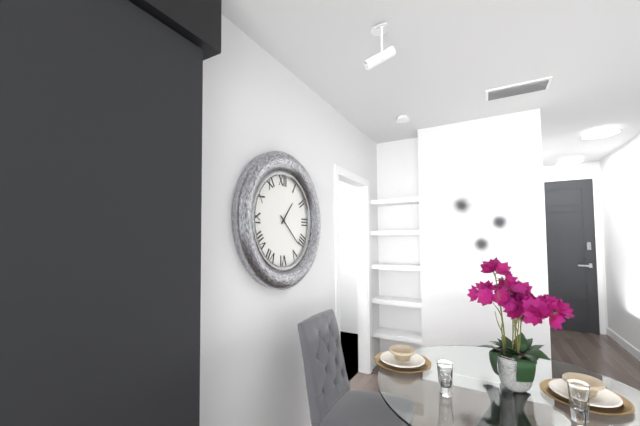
1:22
